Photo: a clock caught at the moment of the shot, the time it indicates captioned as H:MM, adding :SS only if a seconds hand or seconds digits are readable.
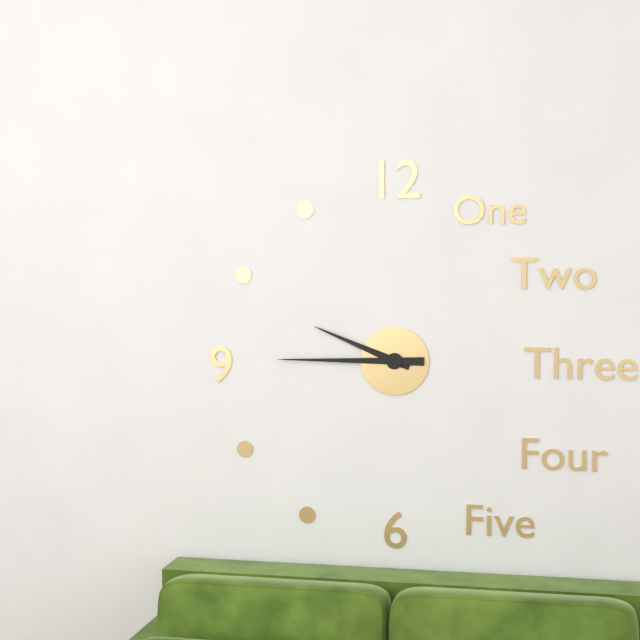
9:45
